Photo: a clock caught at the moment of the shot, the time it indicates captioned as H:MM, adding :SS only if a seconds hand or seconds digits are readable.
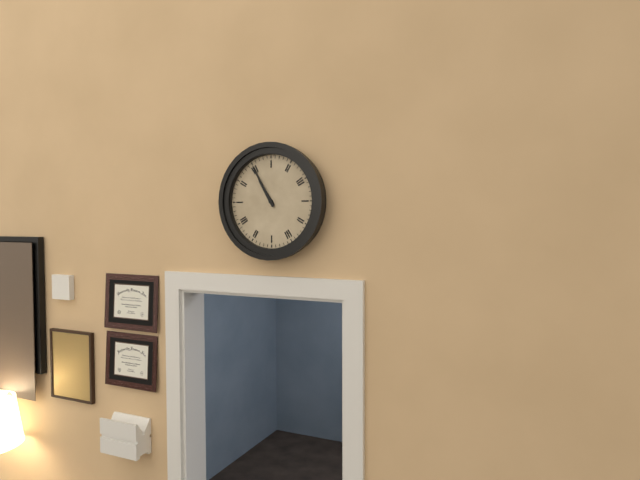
10:55
